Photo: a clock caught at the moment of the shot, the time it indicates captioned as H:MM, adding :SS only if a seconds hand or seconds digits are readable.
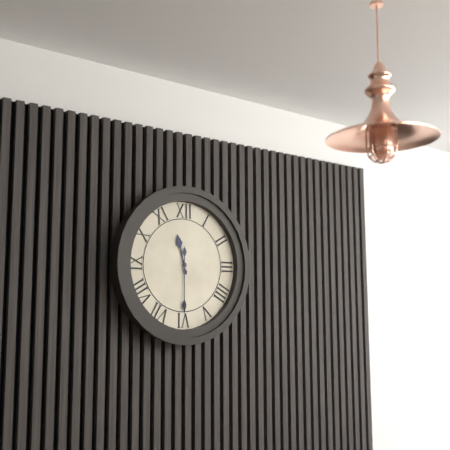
11:30
